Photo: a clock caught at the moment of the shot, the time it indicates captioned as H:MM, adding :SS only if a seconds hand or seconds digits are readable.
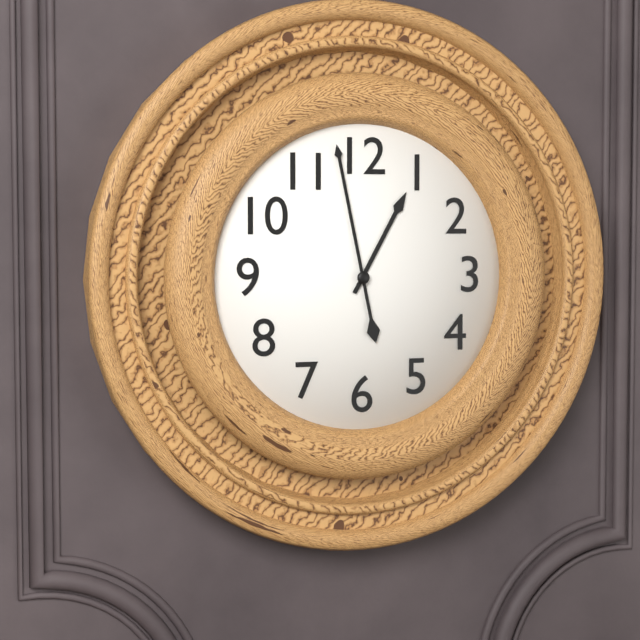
12:58
